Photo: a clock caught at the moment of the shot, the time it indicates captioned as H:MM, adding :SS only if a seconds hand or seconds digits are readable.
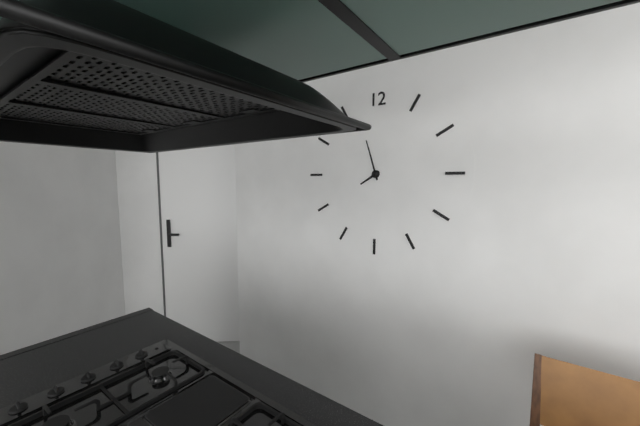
7:57
